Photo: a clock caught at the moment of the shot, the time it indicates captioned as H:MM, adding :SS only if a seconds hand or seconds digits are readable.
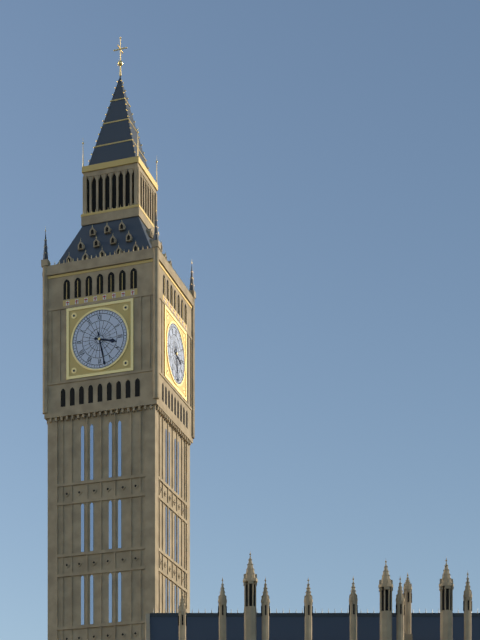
3:28
